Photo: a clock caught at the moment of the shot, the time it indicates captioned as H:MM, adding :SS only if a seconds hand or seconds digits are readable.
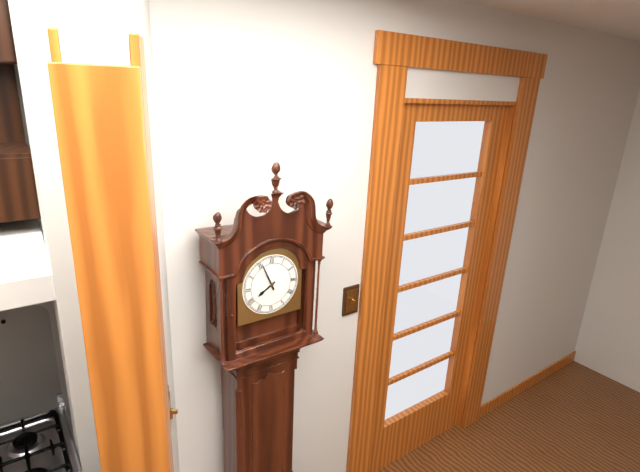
7:56
